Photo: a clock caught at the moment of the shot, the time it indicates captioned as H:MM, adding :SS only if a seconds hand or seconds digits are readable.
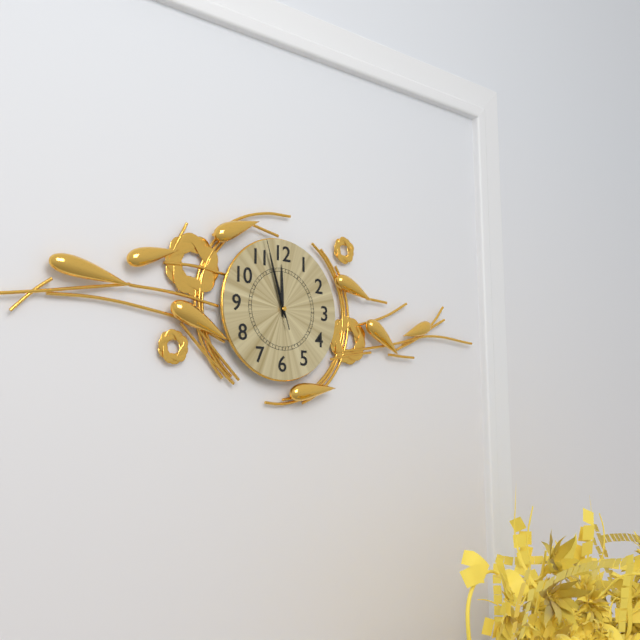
11:57:57
